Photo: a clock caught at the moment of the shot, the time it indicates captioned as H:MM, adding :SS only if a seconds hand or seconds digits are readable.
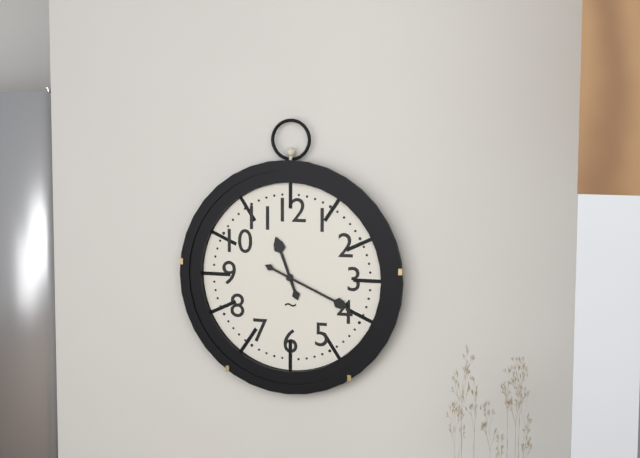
11:19
